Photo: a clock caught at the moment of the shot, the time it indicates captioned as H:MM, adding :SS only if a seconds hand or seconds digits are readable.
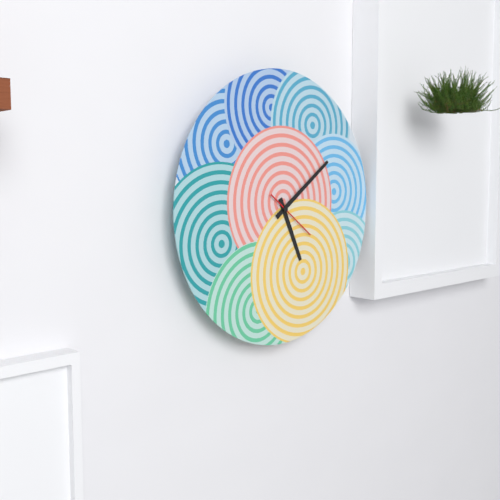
5:09
